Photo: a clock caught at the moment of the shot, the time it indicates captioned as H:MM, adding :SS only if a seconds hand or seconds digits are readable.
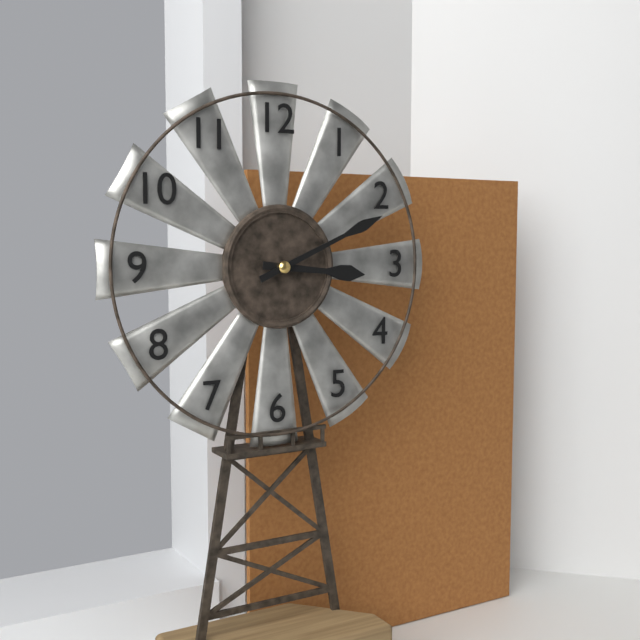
3:11
